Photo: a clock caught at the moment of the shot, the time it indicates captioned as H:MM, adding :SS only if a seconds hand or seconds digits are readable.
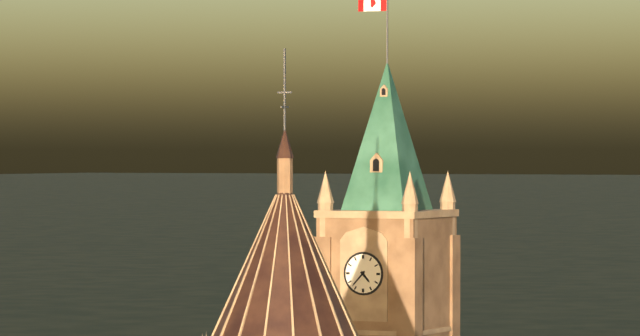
4:37
